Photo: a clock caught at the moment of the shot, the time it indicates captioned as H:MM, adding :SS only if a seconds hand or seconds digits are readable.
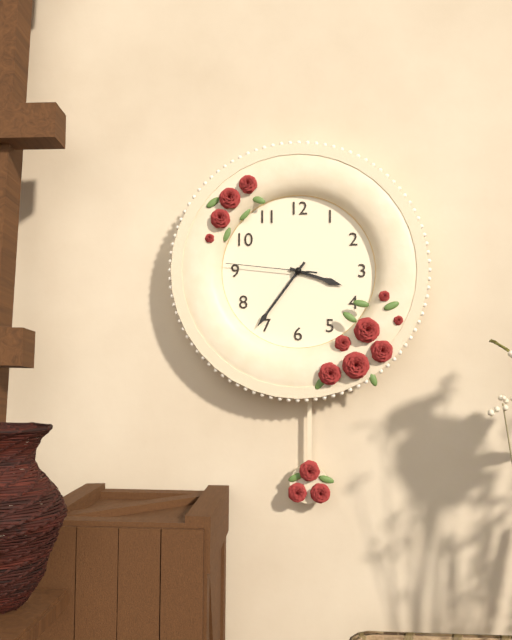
3:36:46
